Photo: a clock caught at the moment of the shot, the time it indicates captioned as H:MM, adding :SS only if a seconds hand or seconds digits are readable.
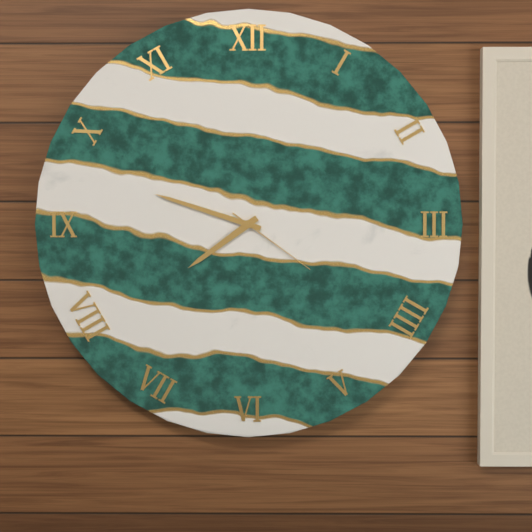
7:48:21
